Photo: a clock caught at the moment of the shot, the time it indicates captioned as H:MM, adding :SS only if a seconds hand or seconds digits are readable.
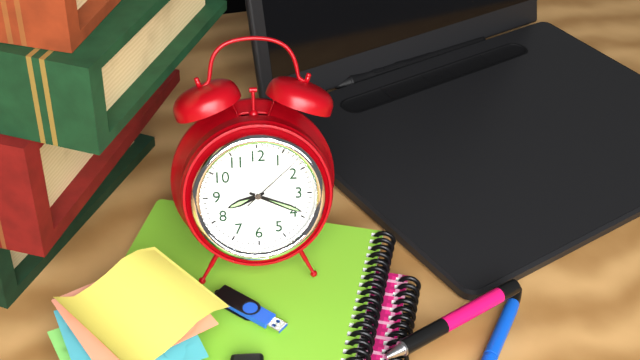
8:19:08
